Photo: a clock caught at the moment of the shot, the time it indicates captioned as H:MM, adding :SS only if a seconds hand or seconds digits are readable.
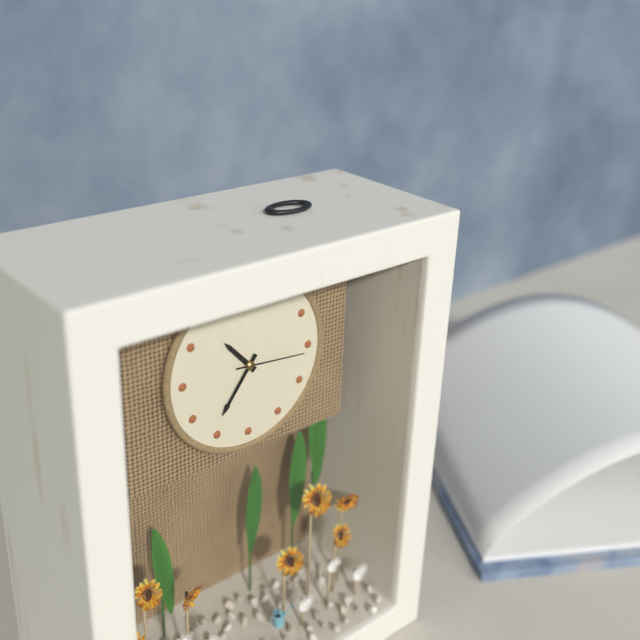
10:36:16
